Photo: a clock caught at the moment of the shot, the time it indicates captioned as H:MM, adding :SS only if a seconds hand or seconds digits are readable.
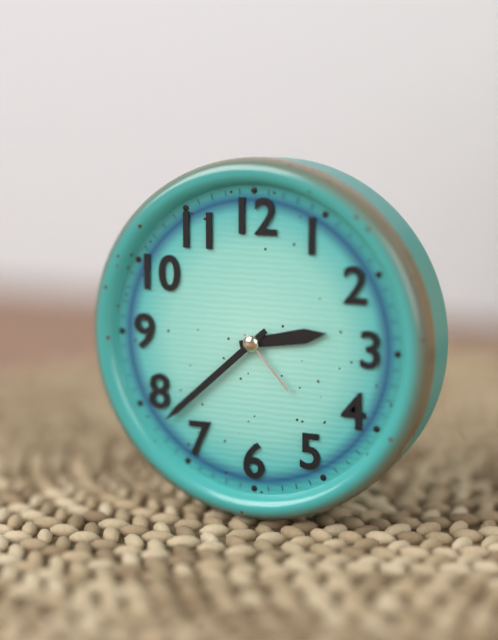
2:38:23
